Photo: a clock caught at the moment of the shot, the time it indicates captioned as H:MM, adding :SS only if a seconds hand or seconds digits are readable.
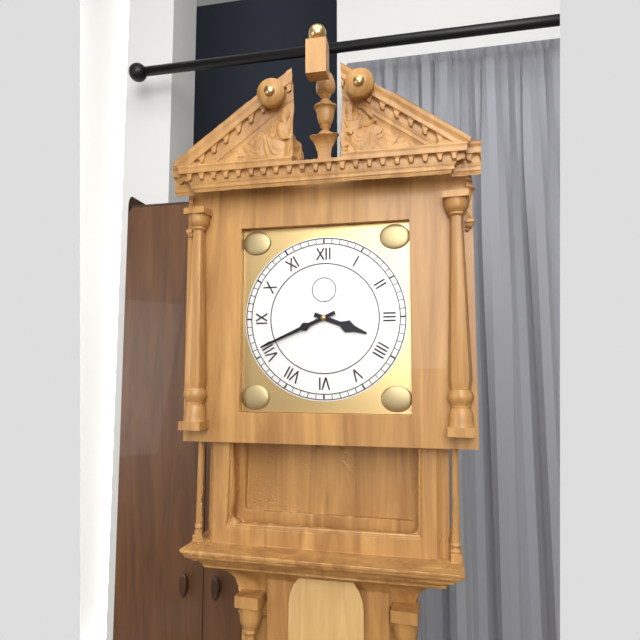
3:41
